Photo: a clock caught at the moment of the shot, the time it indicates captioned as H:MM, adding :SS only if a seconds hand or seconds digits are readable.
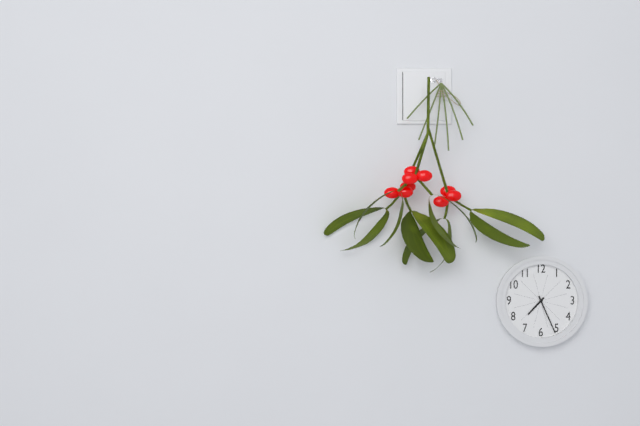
7:26
